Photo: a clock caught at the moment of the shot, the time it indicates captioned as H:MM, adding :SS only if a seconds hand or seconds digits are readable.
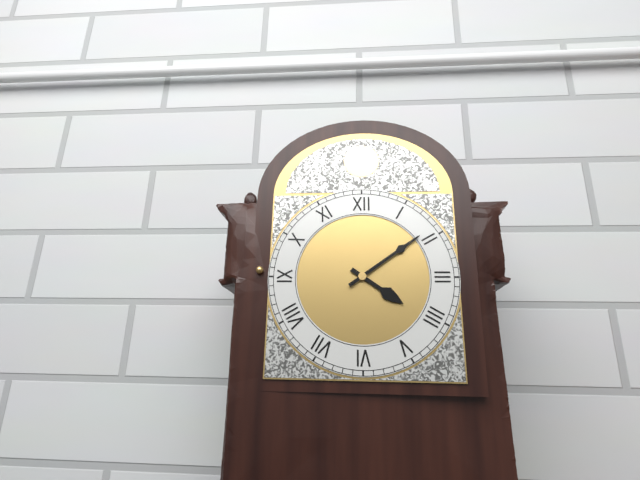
4:09
